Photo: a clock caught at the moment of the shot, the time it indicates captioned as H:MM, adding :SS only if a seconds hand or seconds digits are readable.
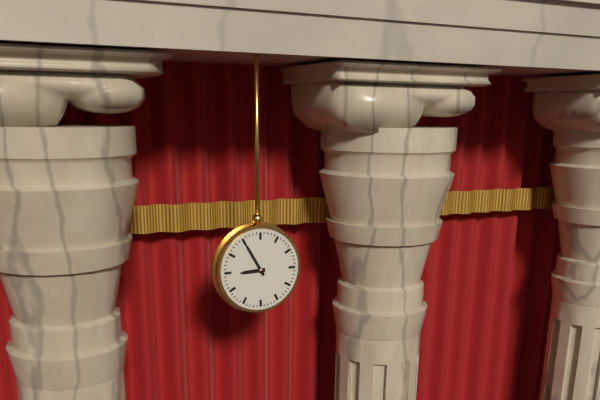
8:55
